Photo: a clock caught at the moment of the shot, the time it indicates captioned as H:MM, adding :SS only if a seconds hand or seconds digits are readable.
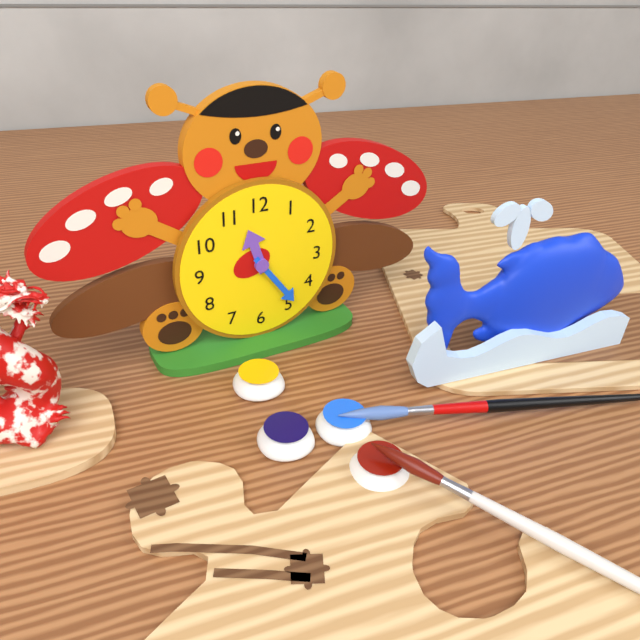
11:24
